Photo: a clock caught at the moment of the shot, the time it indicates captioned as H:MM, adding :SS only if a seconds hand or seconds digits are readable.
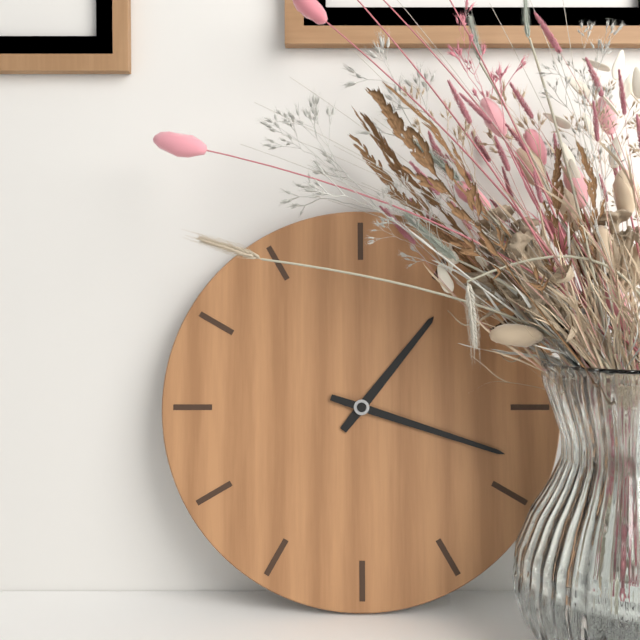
1:18
